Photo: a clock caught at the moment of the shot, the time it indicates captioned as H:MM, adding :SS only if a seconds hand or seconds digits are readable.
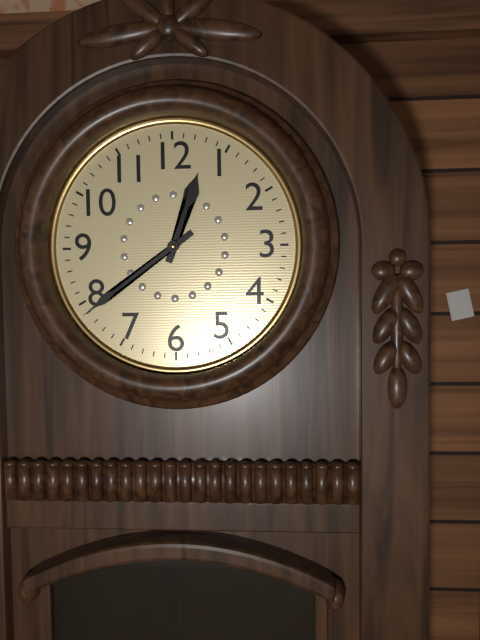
12:39
